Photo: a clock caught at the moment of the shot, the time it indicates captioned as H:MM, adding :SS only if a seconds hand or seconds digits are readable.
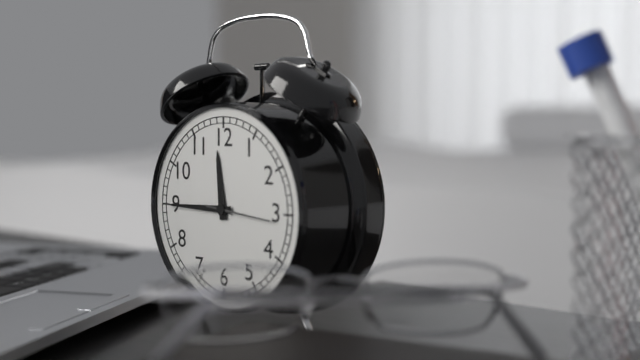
11:45
